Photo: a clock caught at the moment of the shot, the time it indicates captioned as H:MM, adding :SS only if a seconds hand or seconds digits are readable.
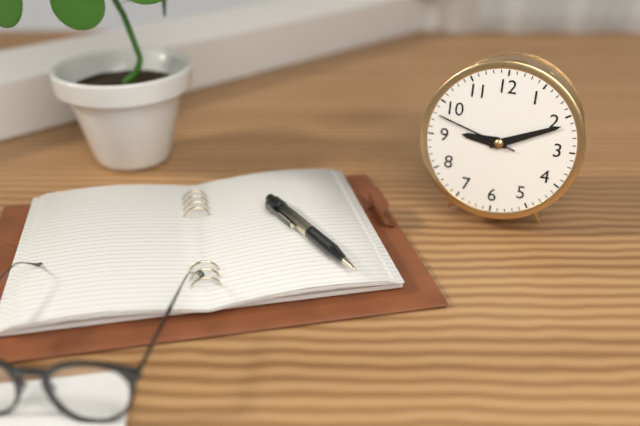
9:11:48
